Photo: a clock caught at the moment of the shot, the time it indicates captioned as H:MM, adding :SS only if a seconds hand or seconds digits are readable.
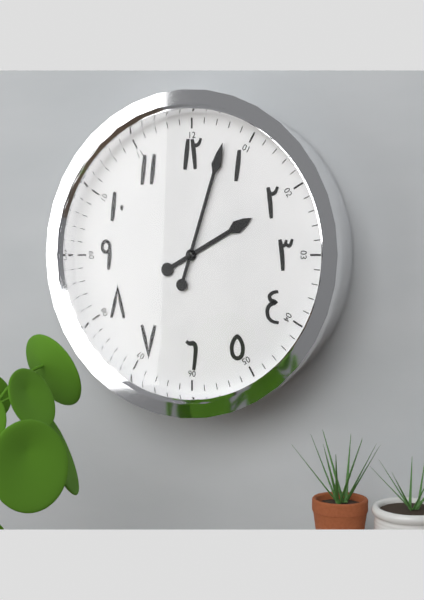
2:03
